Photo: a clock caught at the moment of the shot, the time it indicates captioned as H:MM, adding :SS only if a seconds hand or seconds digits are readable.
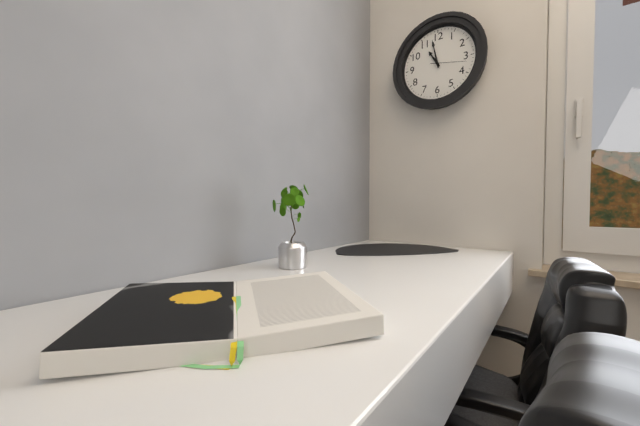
10:58
